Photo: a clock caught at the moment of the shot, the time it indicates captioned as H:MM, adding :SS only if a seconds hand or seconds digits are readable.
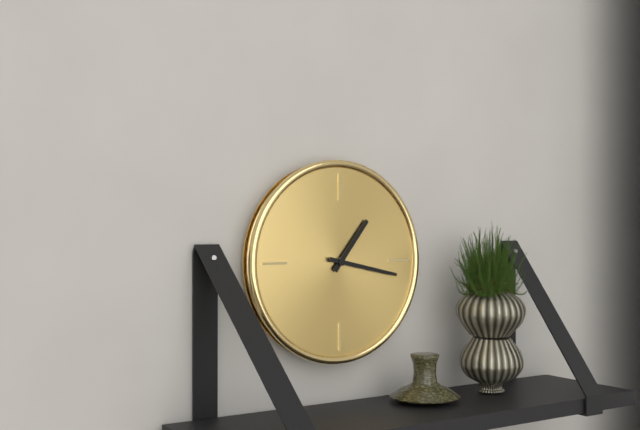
1:17
